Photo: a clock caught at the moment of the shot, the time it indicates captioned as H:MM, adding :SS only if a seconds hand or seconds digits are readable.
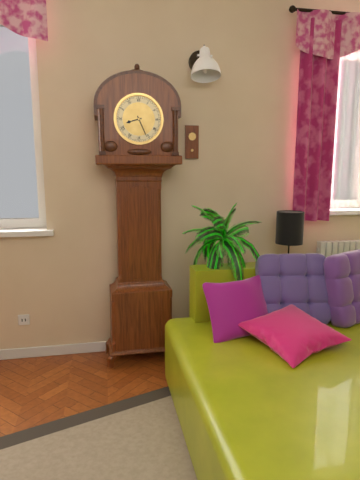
8:26
